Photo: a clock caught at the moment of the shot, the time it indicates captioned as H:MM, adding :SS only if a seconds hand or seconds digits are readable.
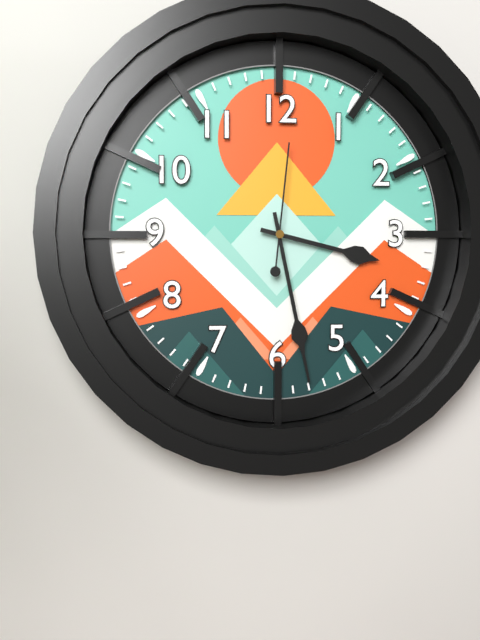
3:28:01
